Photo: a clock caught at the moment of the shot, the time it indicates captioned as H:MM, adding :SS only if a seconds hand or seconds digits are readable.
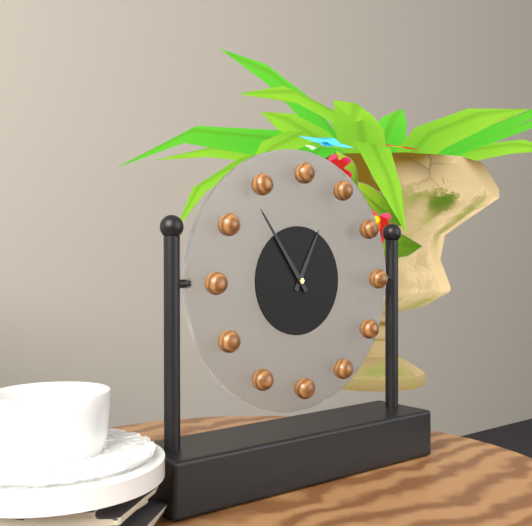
12:54
